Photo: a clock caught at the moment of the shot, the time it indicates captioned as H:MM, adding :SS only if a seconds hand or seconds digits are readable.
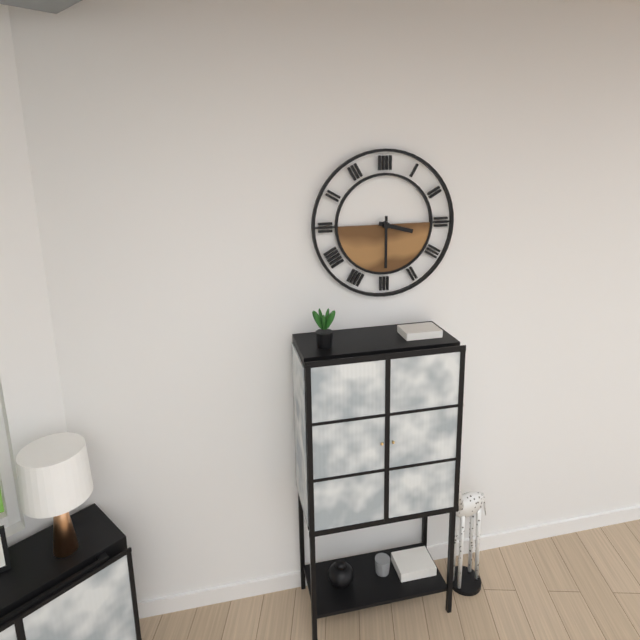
3:30
